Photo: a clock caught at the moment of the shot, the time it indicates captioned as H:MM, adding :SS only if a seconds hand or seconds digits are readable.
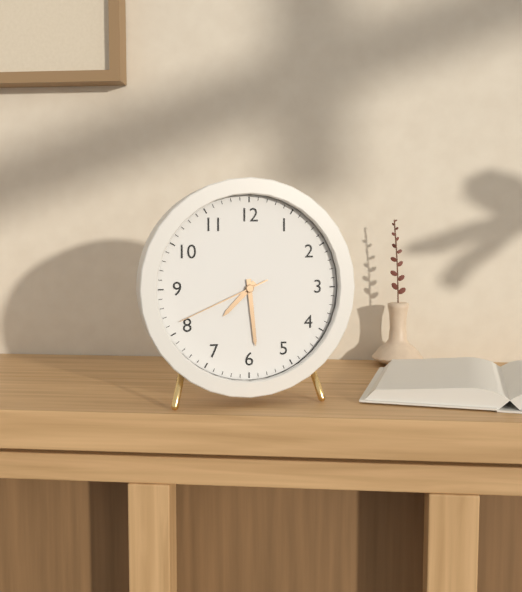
7:29:41
